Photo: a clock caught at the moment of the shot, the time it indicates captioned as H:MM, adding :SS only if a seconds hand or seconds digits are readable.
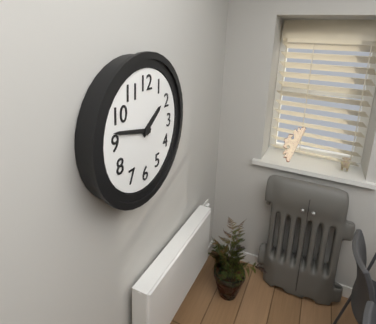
1:47
